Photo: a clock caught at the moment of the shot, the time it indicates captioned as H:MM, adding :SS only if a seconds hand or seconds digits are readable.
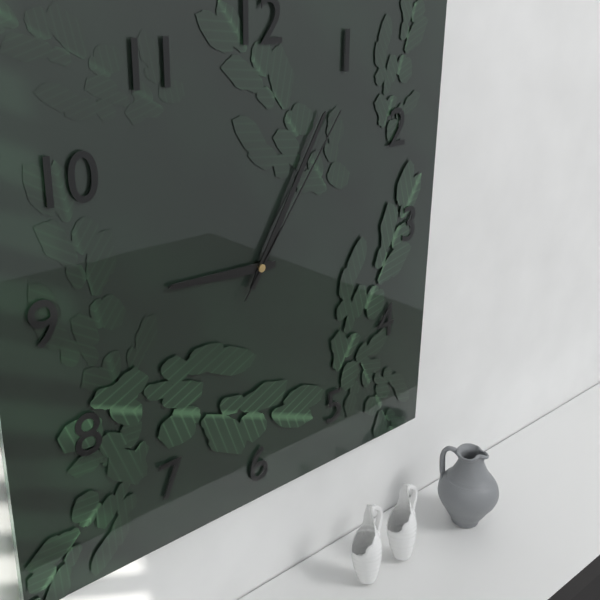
9:05:06
